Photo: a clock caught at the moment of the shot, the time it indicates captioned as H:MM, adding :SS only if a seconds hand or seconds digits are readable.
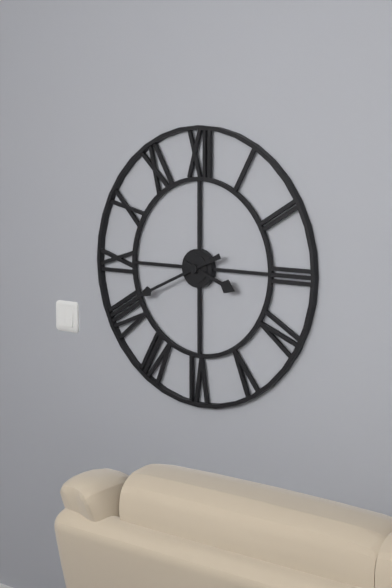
3:41
